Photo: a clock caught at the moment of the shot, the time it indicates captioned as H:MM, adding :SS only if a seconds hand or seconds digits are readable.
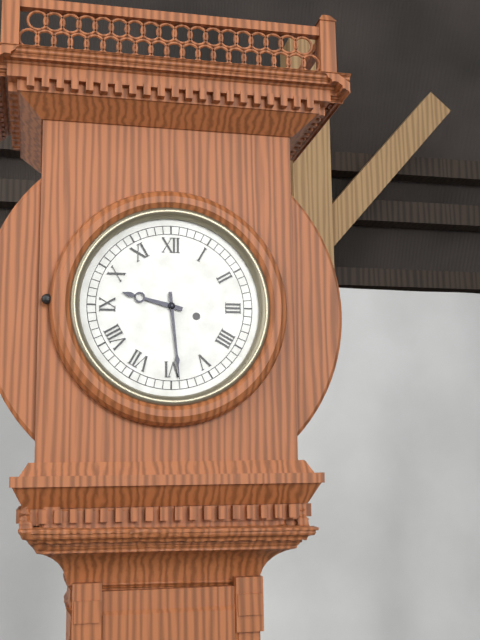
9:29
